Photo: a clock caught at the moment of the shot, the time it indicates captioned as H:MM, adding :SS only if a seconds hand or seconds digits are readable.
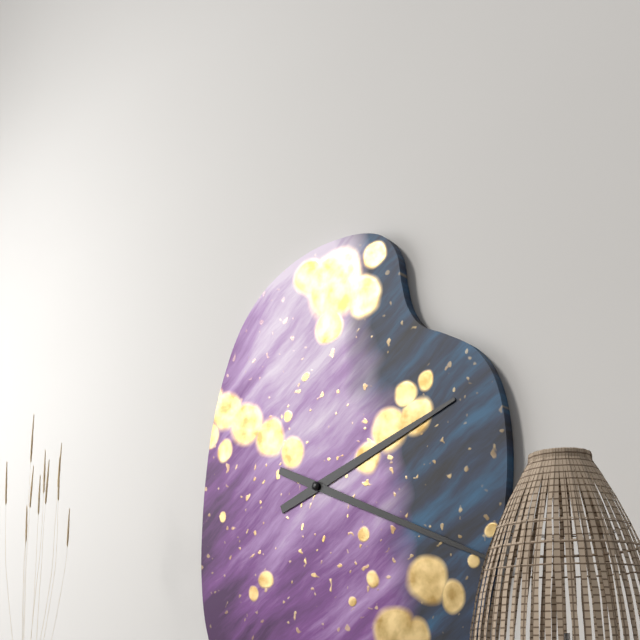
2:19
